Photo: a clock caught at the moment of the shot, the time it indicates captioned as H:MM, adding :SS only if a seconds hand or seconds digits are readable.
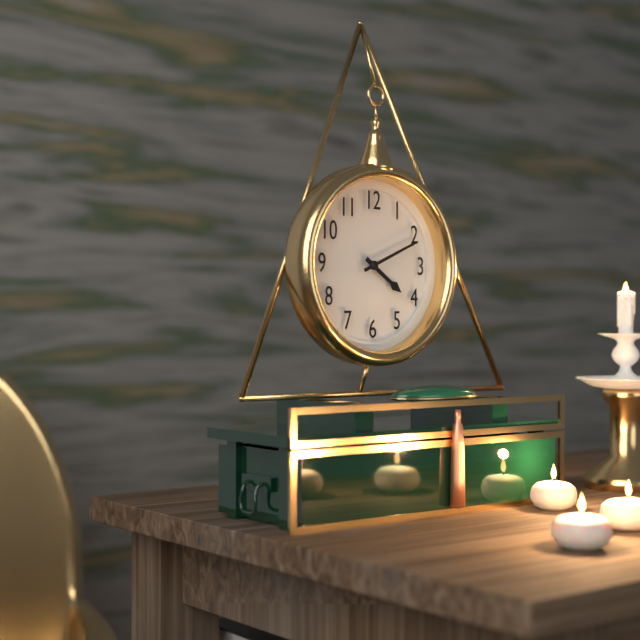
4:11
